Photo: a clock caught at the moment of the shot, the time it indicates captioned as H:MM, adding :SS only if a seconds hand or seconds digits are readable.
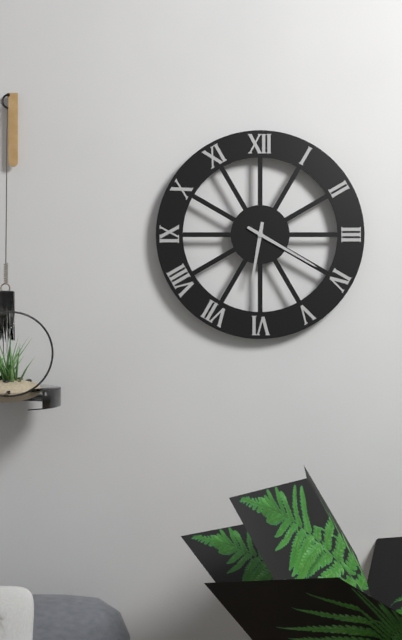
6:20
